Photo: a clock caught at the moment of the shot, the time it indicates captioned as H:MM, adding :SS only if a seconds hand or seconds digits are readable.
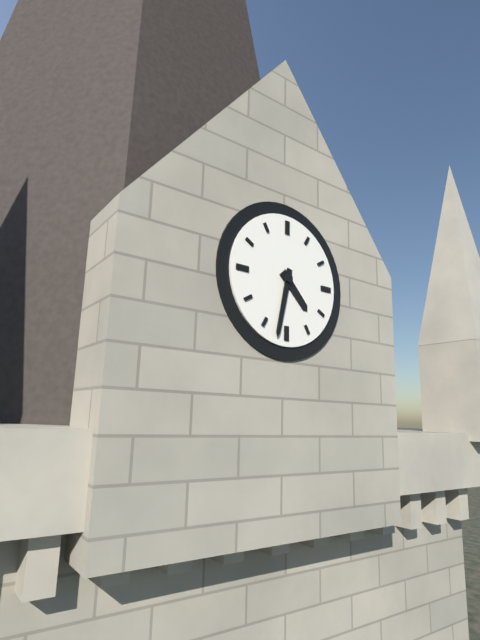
4:32
